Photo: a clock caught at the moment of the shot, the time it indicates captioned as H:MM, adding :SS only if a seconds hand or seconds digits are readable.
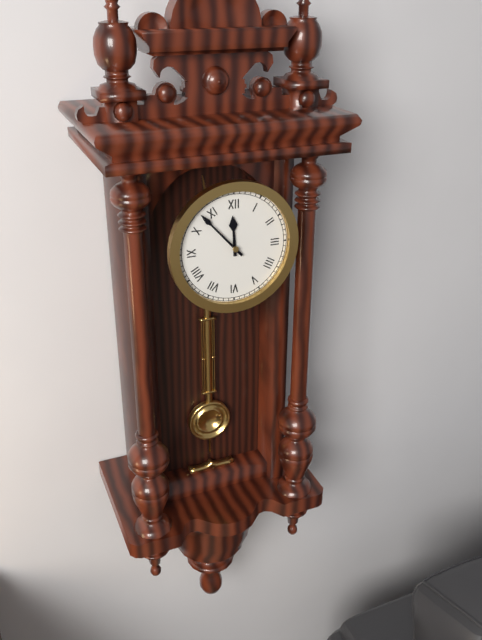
11:53
